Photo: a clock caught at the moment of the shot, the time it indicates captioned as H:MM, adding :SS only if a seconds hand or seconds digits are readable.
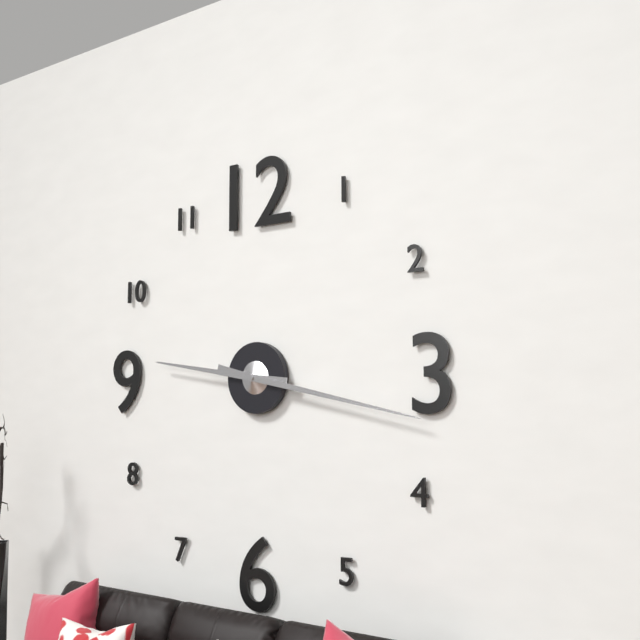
9:17
